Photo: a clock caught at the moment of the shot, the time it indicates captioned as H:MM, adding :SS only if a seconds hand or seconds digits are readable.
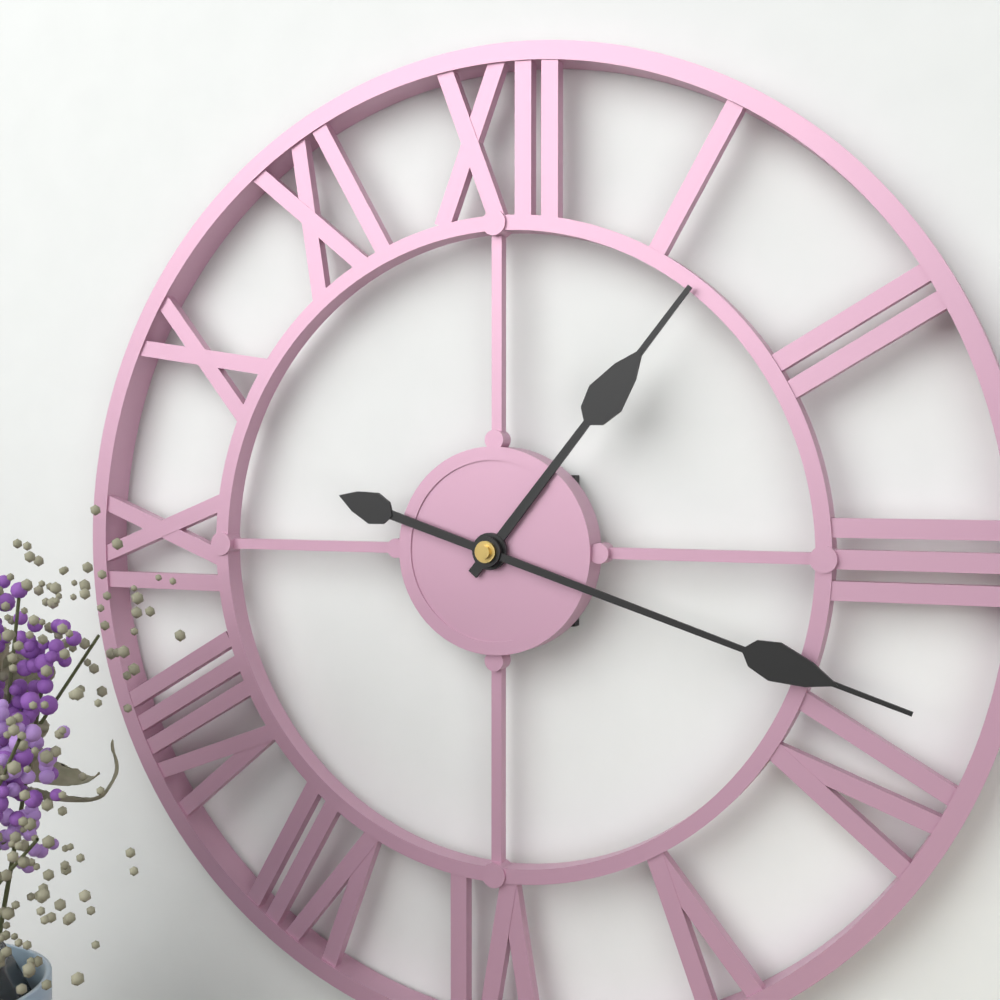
1:18
